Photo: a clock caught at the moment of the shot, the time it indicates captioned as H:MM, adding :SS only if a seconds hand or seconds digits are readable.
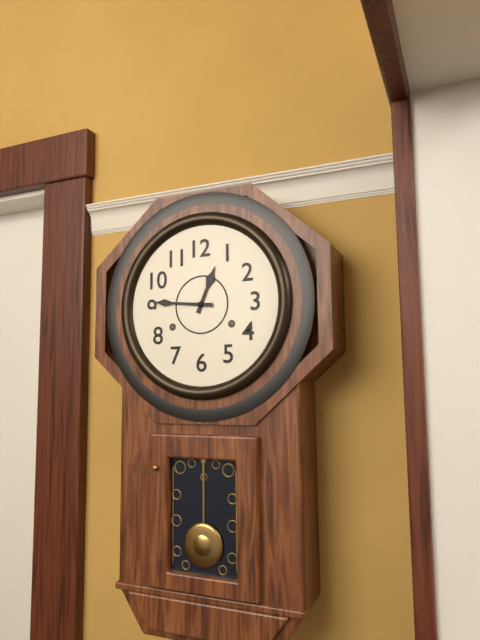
12:46
